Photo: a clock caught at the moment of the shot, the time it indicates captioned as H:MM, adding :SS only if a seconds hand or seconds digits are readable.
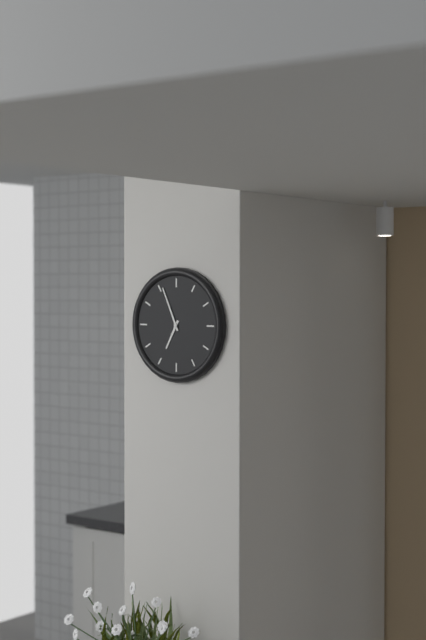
6:56
